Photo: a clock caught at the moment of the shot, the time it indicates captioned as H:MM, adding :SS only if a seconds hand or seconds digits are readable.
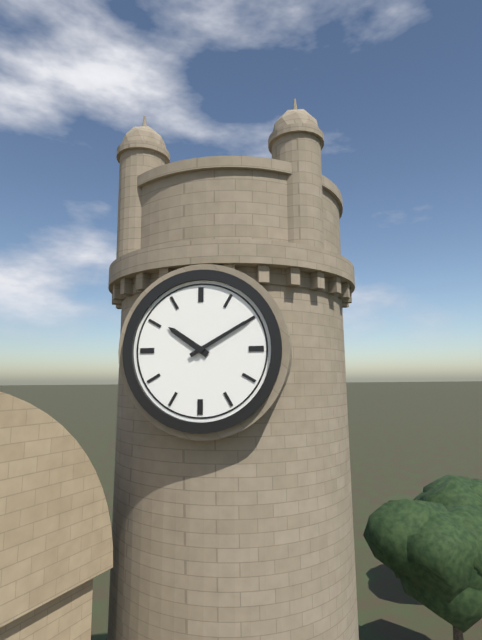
10:10
